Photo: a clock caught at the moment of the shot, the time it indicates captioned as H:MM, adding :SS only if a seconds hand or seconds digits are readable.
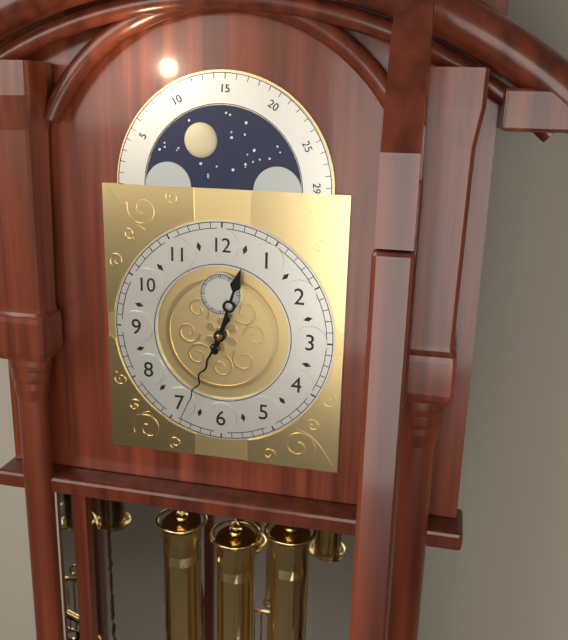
12:34
